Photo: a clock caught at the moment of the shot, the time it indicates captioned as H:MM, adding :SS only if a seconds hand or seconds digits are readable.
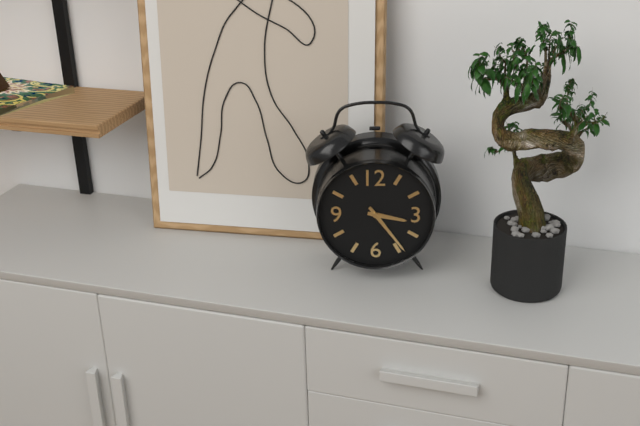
3:24
